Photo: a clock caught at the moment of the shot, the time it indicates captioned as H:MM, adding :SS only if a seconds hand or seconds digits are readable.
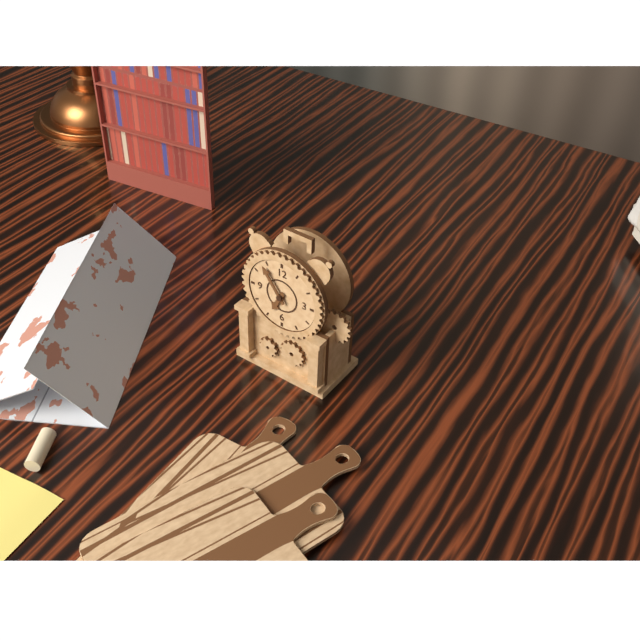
6:54
